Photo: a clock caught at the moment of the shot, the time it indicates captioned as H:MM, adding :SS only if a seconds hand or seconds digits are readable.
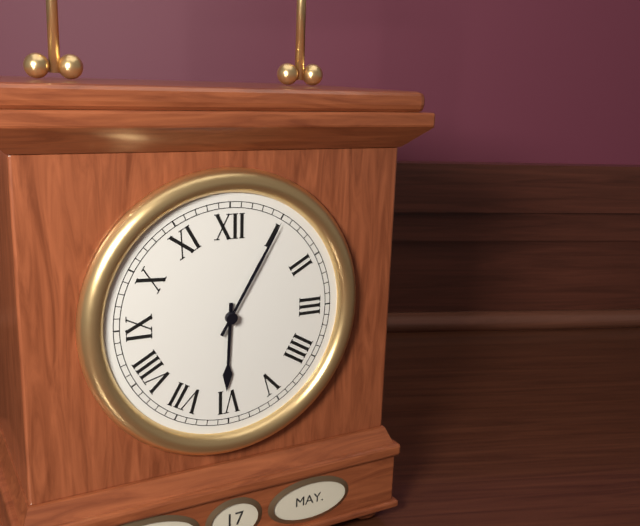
6:05
